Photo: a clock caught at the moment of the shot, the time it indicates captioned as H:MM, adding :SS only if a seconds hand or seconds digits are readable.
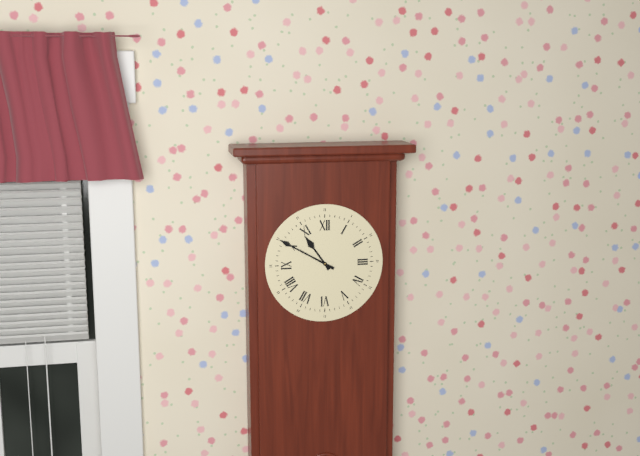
10:50
